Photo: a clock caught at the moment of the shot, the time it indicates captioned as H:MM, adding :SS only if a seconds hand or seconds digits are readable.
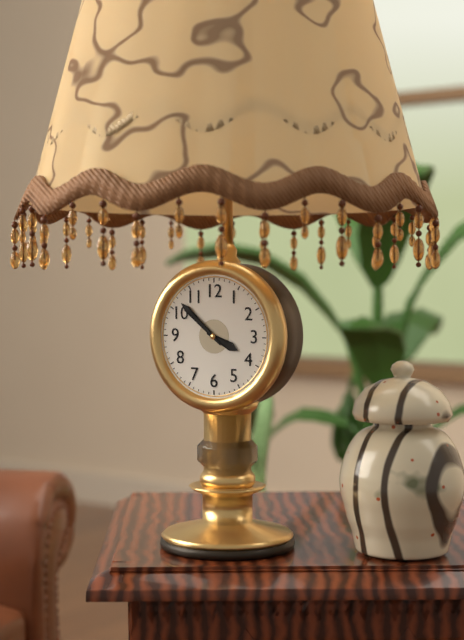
3:52
